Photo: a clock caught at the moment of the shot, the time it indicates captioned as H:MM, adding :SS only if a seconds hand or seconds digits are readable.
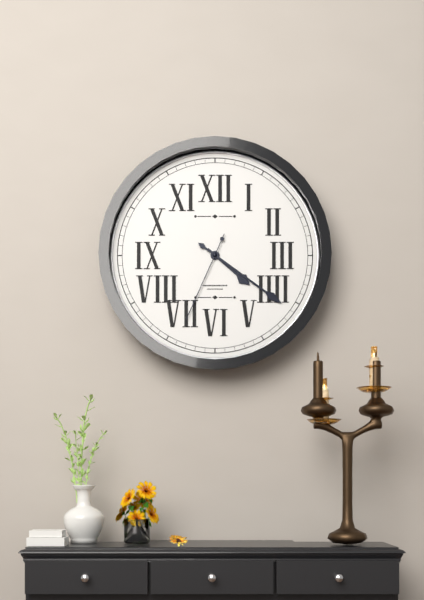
4:21:34
